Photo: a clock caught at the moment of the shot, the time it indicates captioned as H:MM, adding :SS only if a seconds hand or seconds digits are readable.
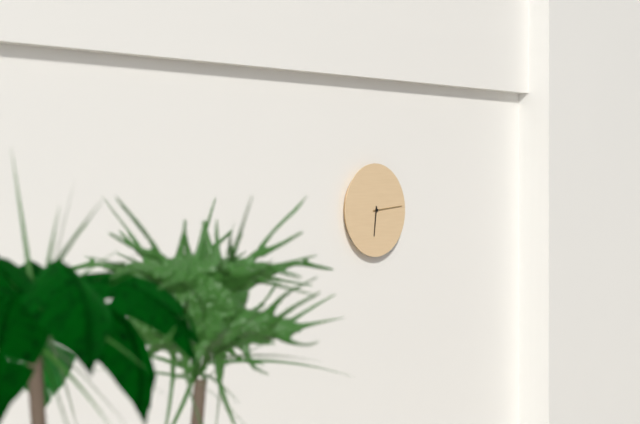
6:14
